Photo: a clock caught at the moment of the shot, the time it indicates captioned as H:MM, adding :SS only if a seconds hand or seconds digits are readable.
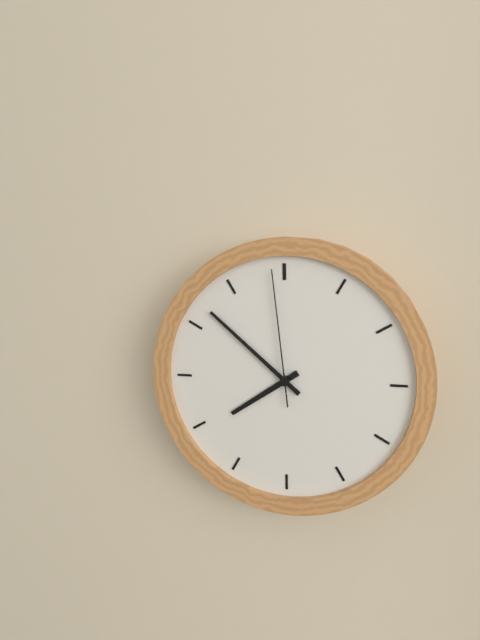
7:52:59
